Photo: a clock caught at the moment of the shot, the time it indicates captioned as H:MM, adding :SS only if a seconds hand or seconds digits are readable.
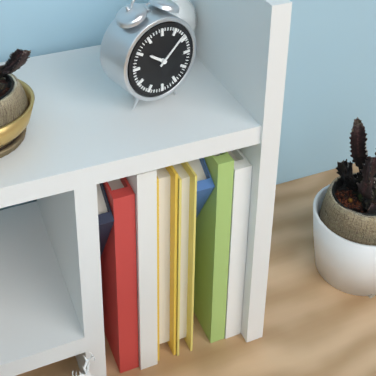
10:08
